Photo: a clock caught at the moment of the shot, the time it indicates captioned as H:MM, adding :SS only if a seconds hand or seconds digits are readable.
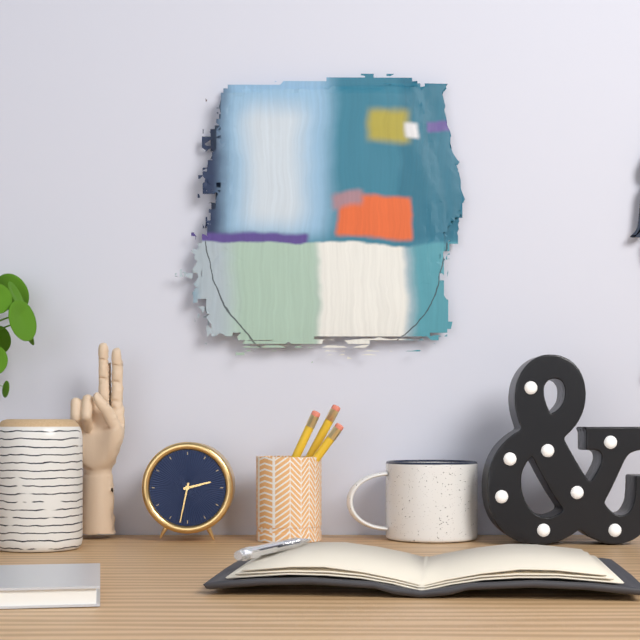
2:32
